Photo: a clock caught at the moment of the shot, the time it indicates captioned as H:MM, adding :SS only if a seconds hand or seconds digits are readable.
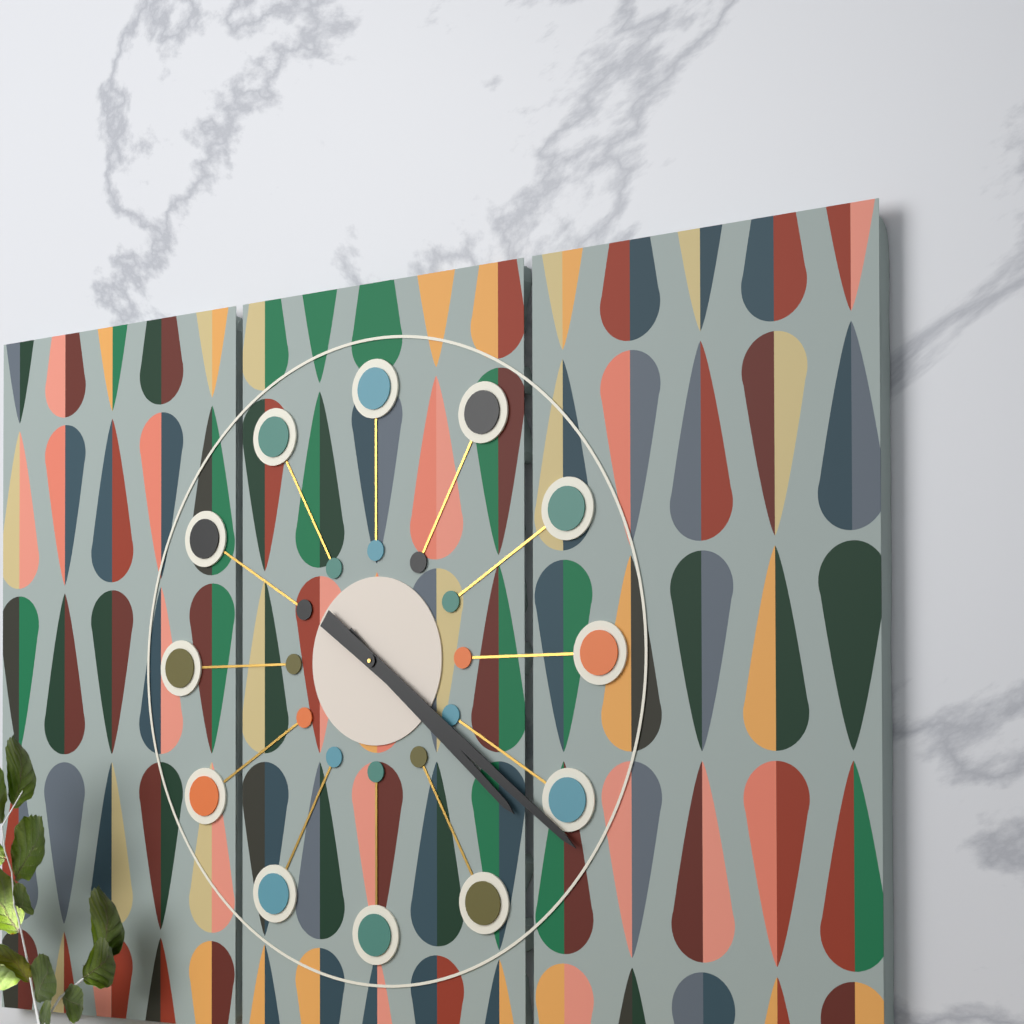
4:21
